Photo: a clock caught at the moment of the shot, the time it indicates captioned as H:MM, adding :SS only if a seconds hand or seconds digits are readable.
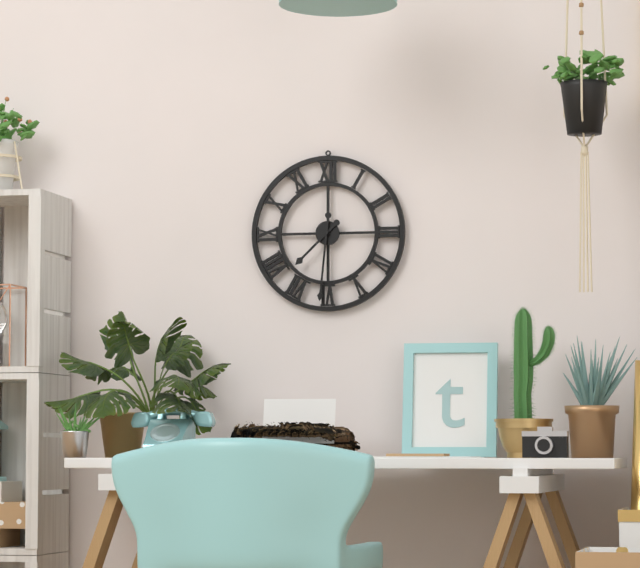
7:31
